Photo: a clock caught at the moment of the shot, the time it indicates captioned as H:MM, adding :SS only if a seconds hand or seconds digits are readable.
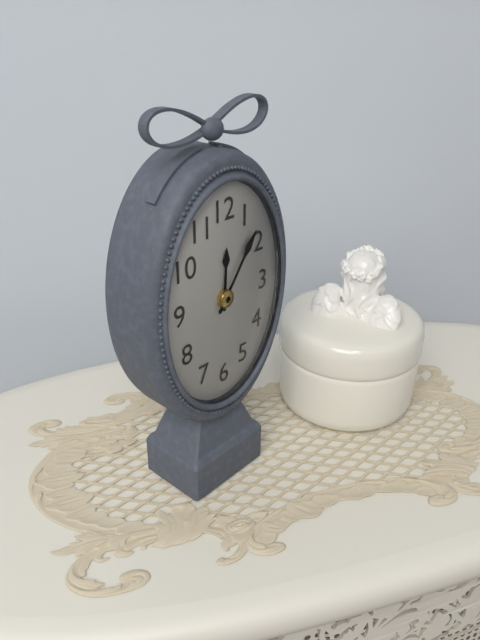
12:06
